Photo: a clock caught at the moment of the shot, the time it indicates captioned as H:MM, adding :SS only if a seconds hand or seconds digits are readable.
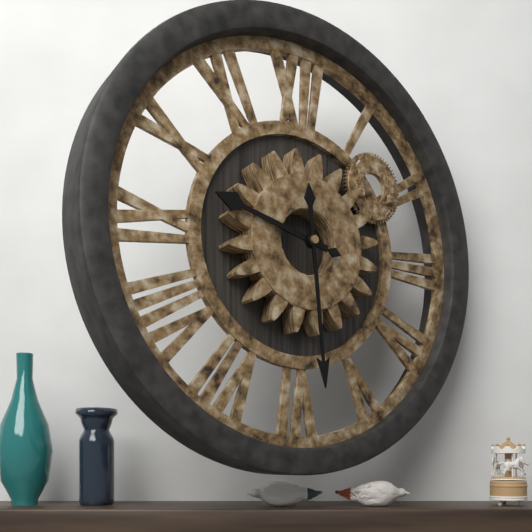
9:29
